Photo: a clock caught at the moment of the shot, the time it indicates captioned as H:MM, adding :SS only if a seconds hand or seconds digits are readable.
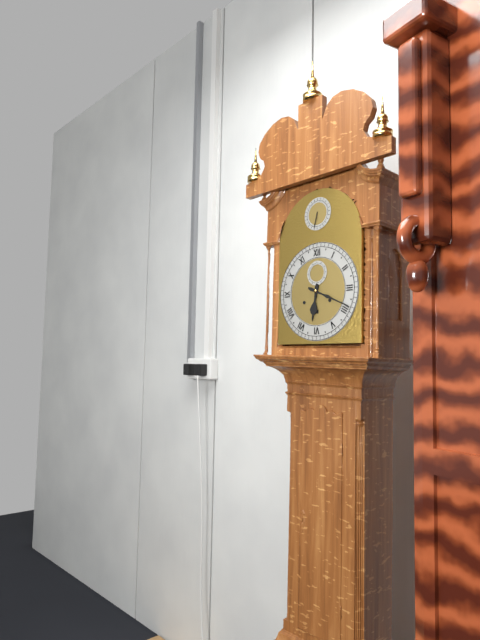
6:19
